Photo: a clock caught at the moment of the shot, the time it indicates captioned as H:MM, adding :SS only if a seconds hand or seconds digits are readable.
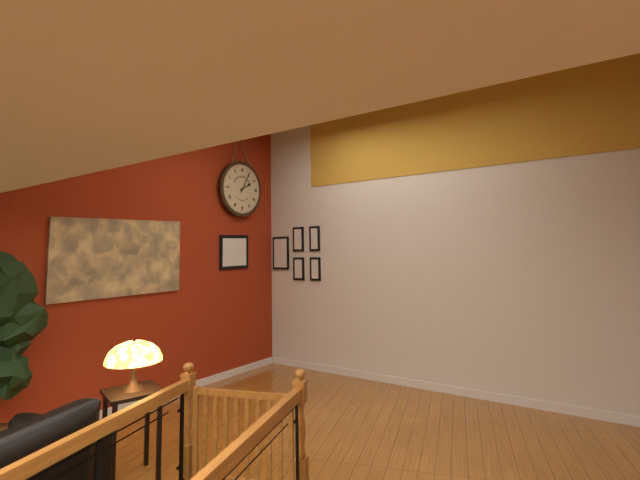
2:05
